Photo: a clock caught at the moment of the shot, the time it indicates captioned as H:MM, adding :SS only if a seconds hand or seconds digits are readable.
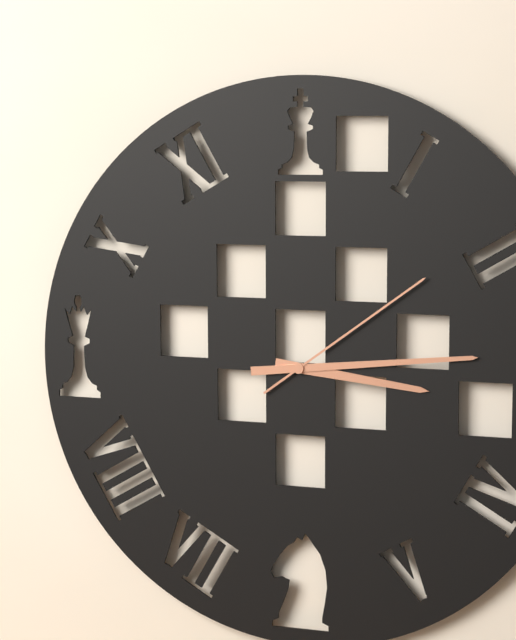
3:14:09
